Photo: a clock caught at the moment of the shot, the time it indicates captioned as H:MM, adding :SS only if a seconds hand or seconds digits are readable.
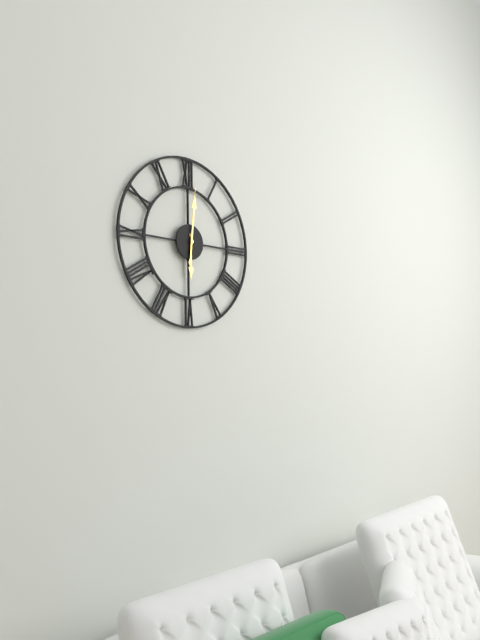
6:01
